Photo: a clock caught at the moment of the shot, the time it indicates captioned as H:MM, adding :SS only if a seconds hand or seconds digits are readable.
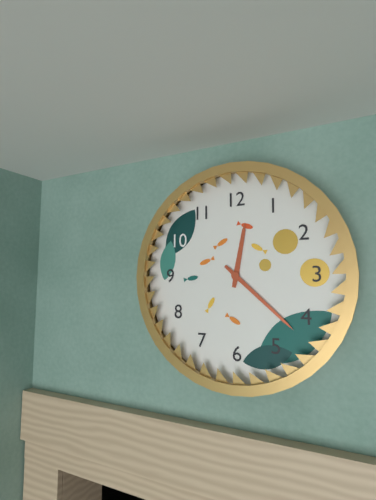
12:22
